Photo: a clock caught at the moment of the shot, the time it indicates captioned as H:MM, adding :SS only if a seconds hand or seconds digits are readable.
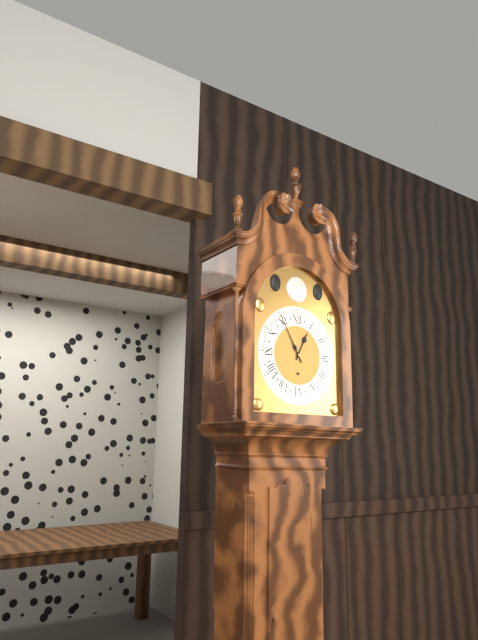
12:55
